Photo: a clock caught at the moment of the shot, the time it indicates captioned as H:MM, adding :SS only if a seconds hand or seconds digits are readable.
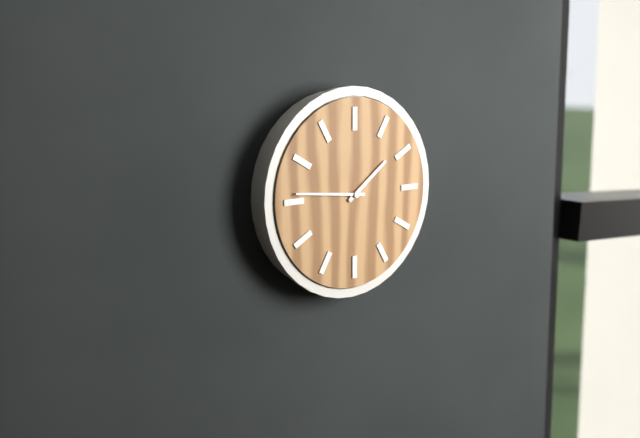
1:46
